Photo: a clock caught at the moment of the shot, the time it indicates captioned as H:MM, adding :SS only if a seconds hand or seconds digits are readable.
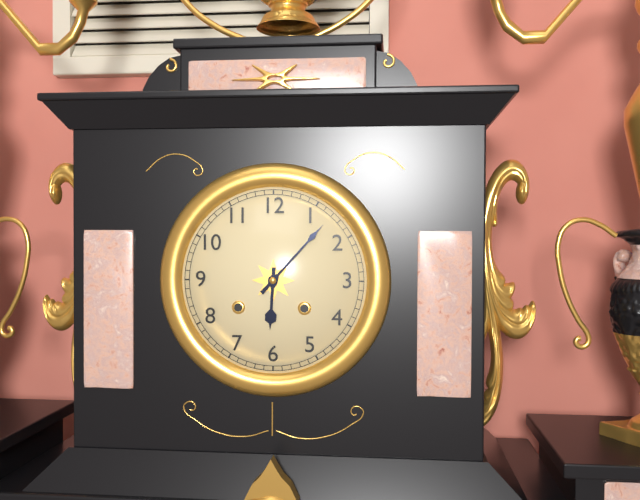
6:07
